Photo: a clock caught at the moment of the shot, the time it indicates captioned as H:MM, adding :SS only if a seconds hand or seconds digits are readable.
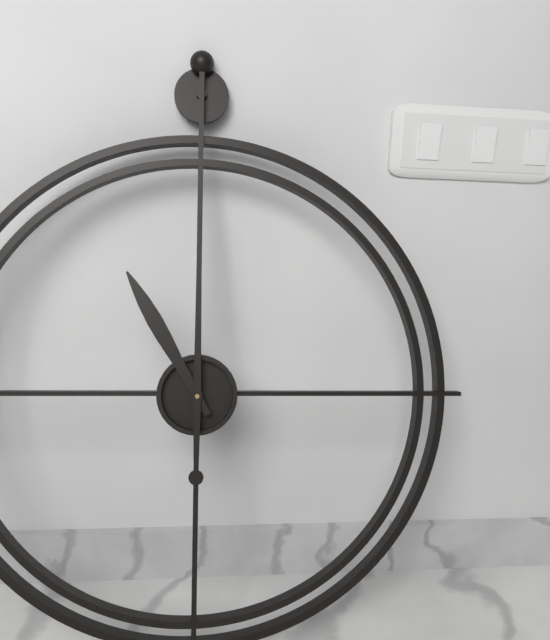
11:00
